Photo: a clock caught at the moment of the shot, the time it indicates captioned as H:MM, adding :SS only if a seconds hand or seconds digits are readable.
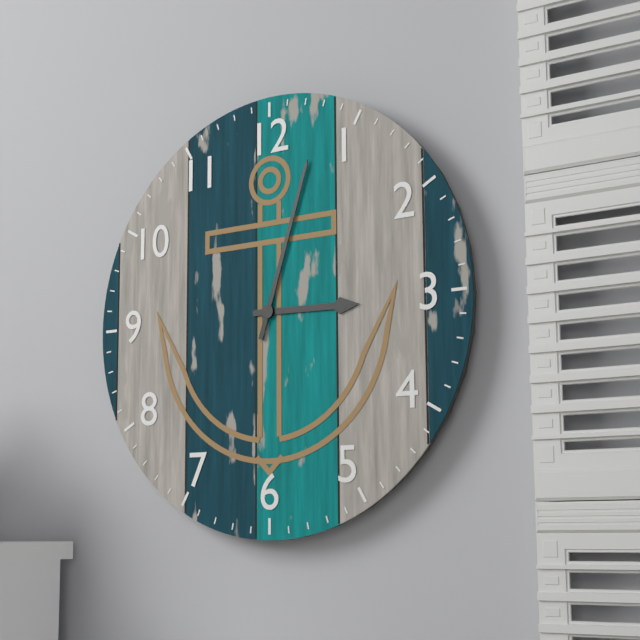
3:03
